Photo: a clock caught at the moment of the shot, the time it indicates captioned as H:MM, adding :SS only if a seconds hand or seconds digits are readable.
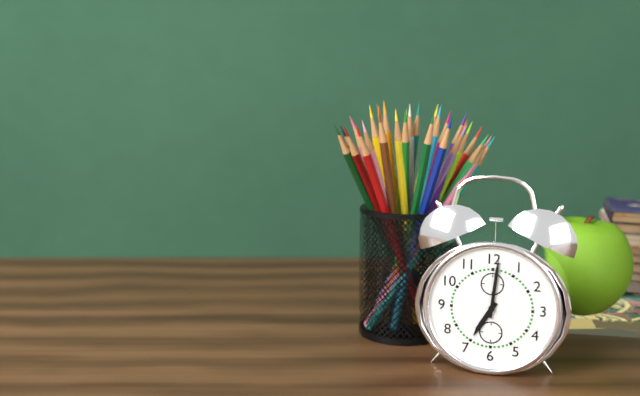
7:01
